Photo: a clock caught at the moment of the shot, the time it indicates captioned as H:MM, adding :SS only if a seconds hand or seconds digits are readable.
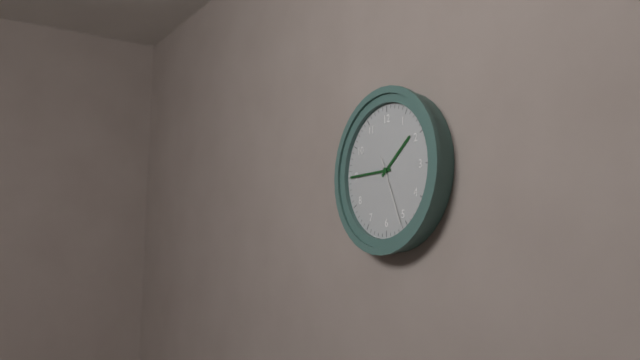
1:45:26
